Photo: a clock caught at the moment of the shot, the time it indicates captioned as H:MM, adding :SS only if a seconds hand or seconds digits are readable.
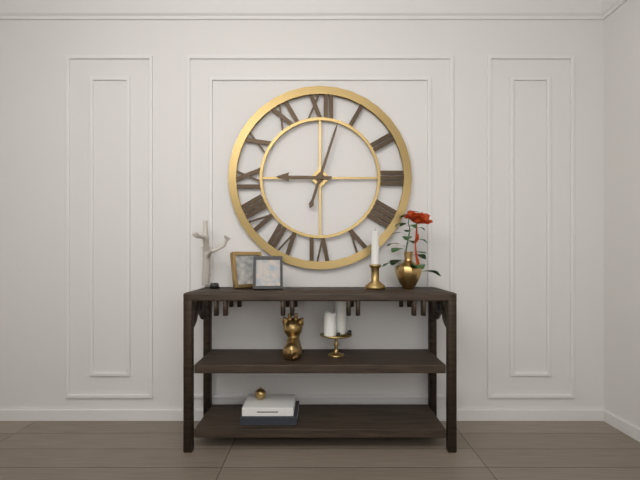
9:03
